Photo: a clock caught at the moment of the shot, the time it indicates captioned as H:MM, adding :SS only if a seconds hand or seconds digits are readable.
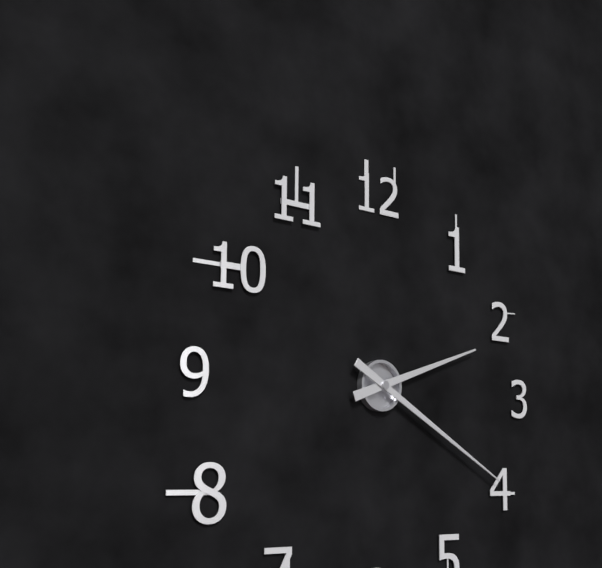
2:20
